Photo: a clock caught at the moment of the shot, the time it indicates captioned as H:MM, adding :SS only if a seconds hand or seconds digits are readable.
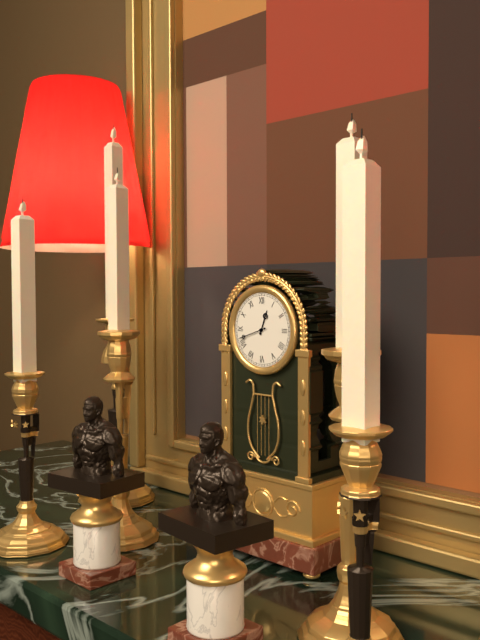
12:42
